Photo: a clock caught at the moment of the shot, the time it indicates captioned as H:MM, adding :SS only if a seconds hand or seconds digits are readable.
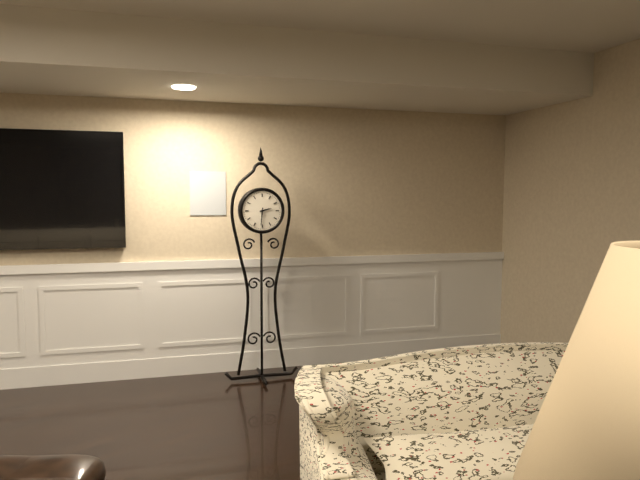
2:31
